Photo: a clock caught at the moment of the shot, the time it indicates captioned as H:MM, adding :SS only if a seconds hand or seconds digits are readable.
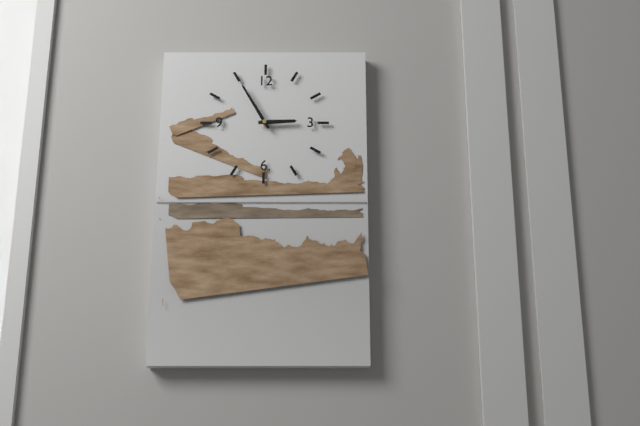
2:55
